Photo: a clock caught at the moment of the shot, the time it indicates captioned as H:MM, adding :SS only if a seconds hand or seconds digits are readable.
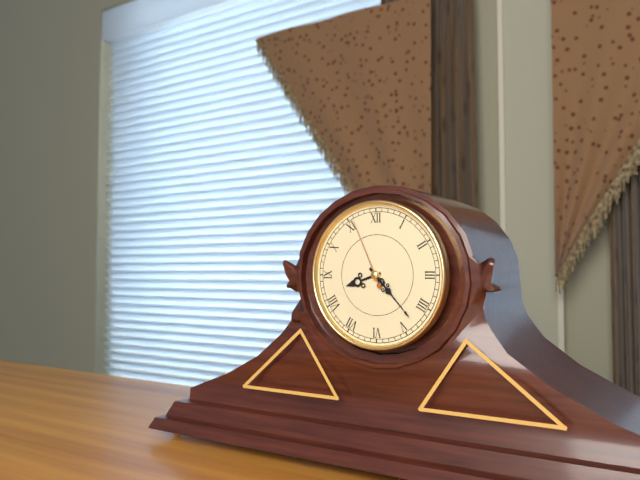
8:23:56
